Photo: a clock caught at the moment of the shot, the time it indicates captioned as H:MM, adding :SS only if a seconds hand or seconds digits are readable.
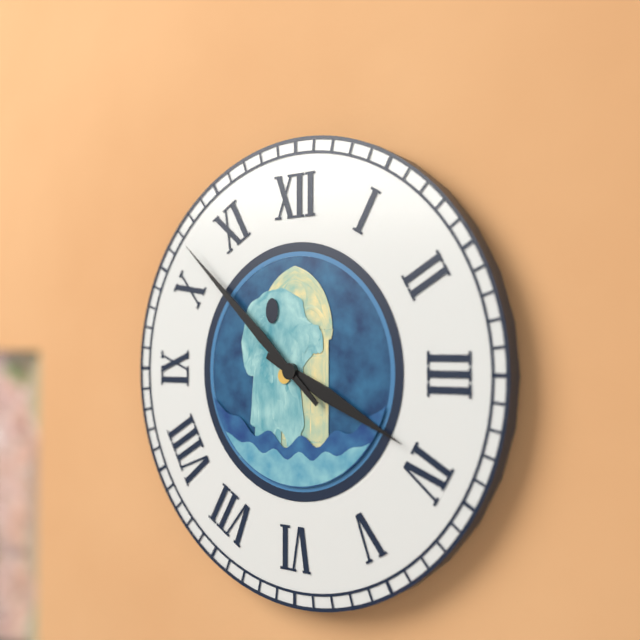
3:52
